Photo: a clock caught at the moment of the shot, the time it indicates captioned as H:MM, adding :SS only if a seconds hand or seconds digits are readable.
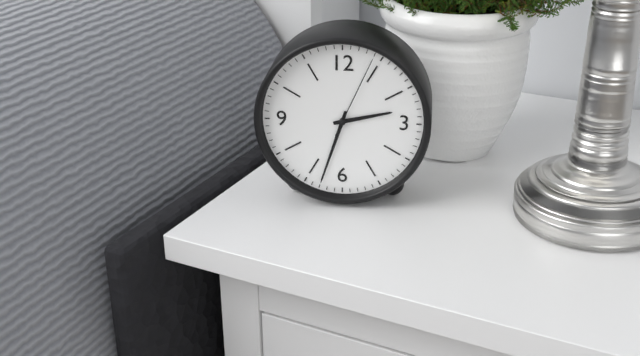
2:33:04
